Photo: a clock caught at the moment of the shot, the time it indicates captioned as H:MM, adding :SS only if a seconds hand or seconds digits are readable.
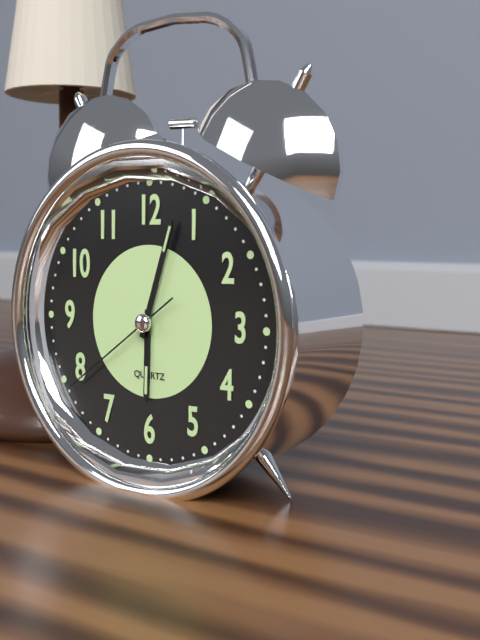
6:03:39
